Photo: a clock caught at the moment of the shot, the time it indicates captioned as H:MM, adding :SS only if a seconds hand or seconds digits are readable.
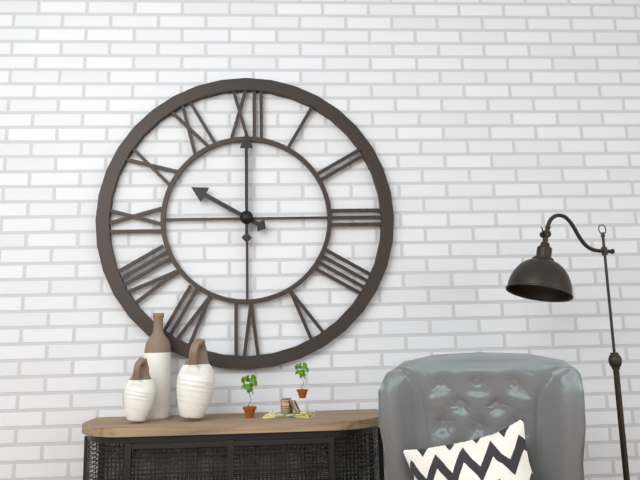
10:00
